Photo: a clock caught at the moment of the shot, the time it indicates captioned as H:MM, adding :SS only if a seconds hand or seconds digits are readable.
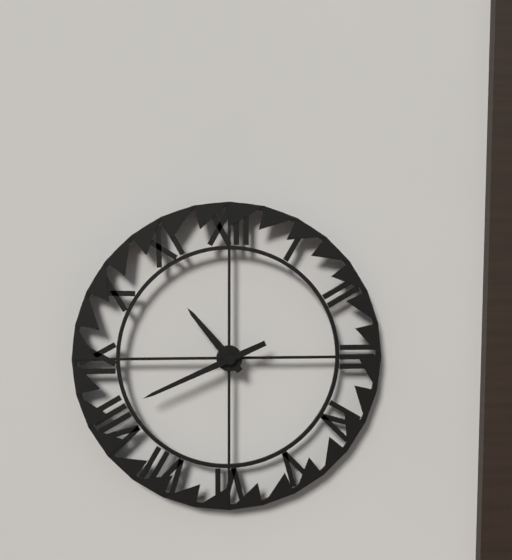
10:41
